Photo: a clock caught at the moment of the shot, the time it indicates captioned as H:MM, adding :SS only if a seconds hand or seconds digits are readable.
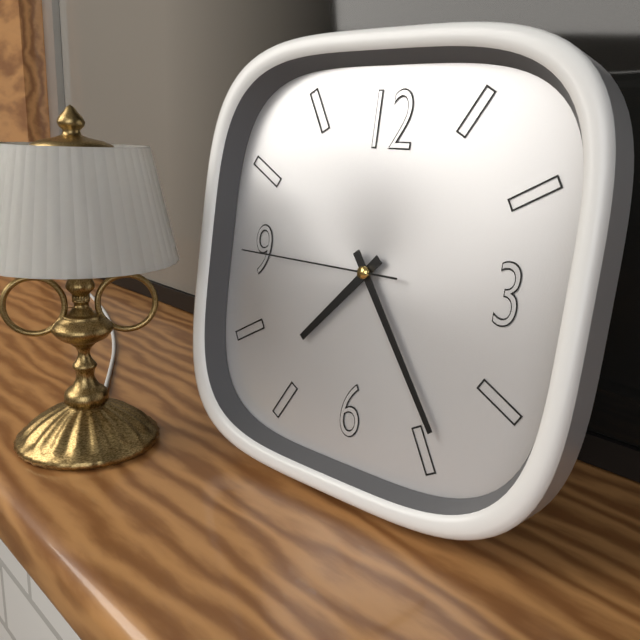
7:24:45
